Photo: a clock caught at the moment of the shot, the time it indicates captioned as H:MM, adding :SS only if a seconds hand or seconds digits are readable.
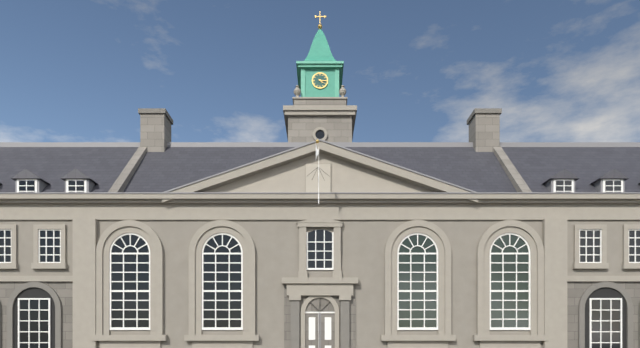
4:16
